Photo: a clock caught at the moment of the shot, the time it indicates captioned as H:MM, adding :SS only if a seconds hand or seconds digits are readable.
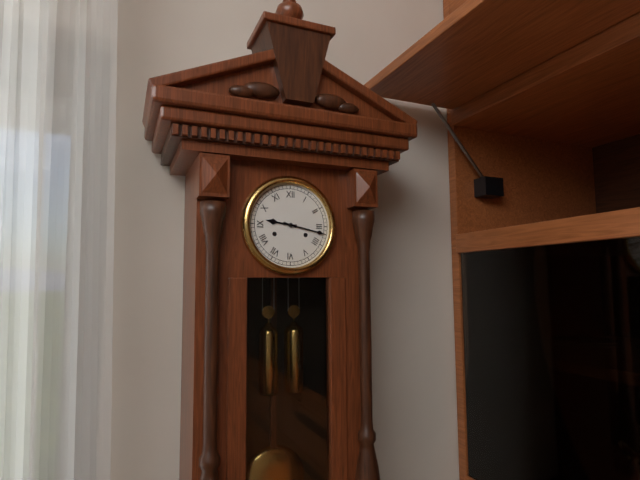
9:17
